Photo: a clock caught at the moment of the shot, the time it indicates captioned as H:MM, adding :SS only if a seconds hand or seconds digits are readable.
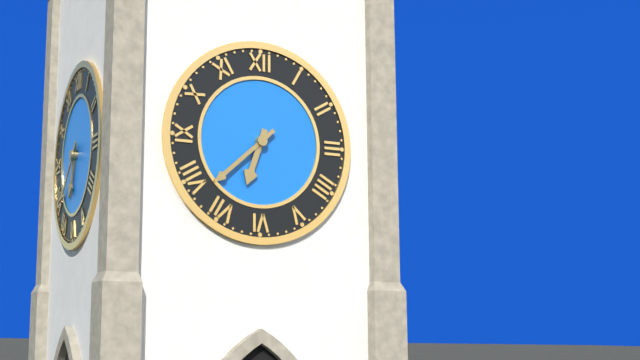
6:38
